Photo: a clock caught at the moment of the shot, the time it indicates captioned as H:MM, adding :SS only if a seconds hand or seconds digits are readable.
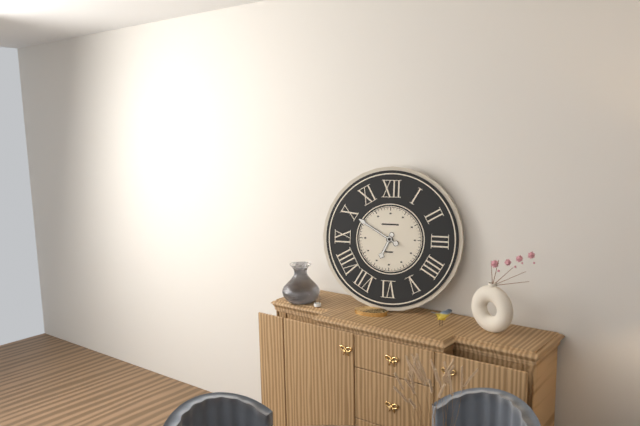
6:50
